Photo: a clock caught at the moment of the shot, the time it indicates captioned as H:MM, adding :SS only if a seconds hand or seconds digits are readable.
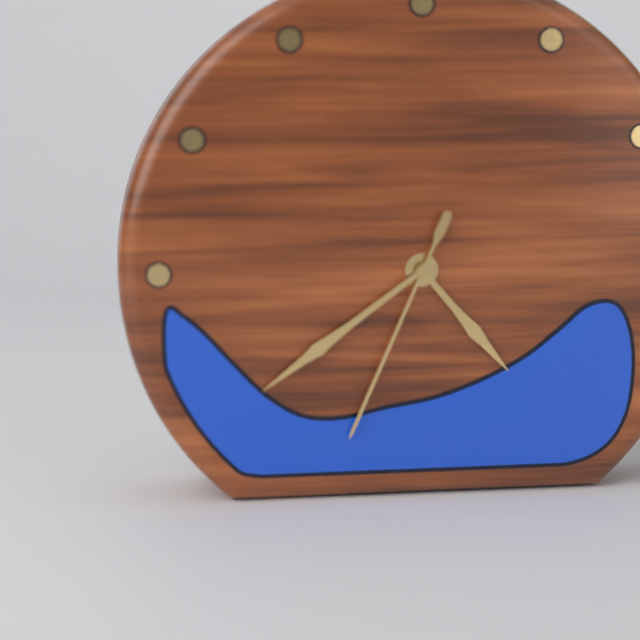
4:39:34
